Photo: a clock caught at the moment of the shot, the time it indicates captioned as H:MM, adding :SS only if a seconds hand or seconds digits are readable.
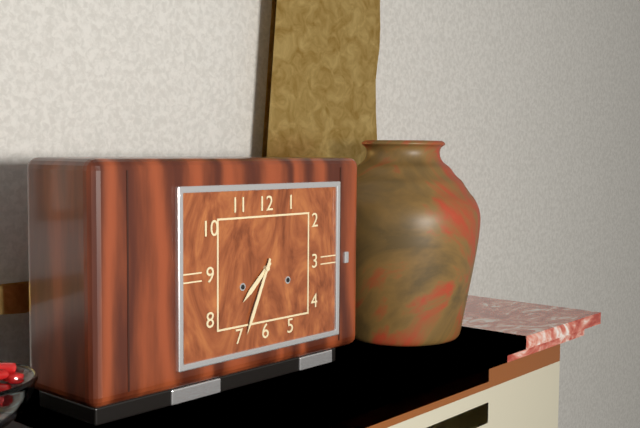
7:34
